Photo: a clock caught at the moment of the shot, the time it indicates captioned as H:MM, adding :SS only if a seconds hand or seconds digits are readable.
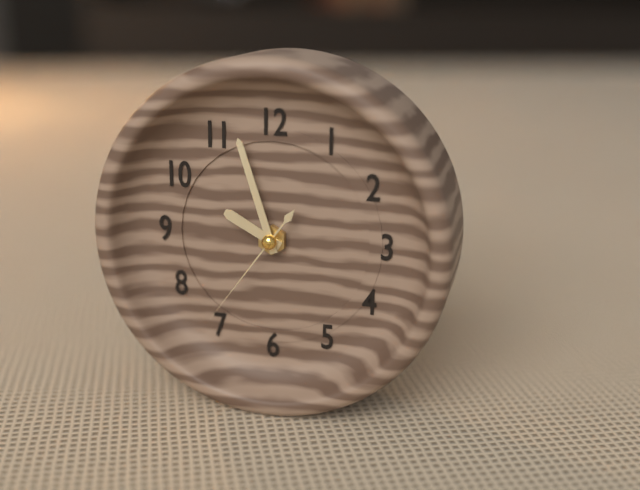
9:57:36
